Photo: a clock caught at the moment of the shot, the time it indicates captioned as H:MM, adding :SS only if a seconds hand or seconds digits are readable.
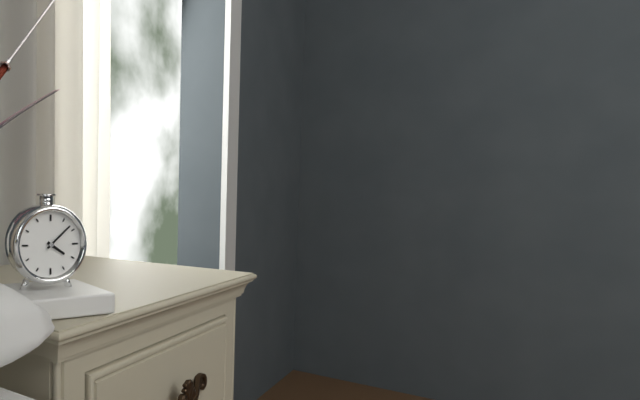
4:08
